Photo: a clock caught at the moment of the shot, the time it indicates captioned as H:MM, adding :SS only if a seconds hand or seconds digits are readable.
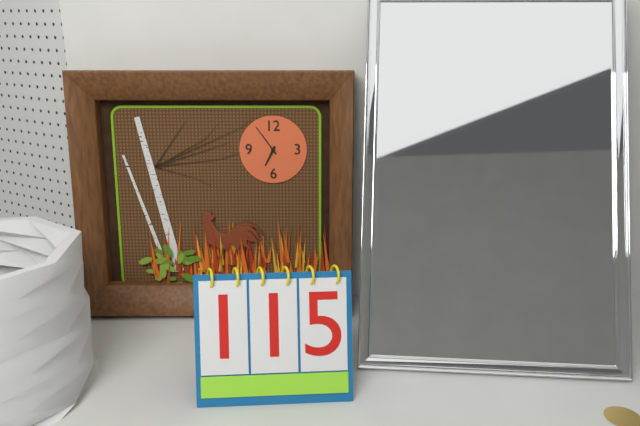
6:54
